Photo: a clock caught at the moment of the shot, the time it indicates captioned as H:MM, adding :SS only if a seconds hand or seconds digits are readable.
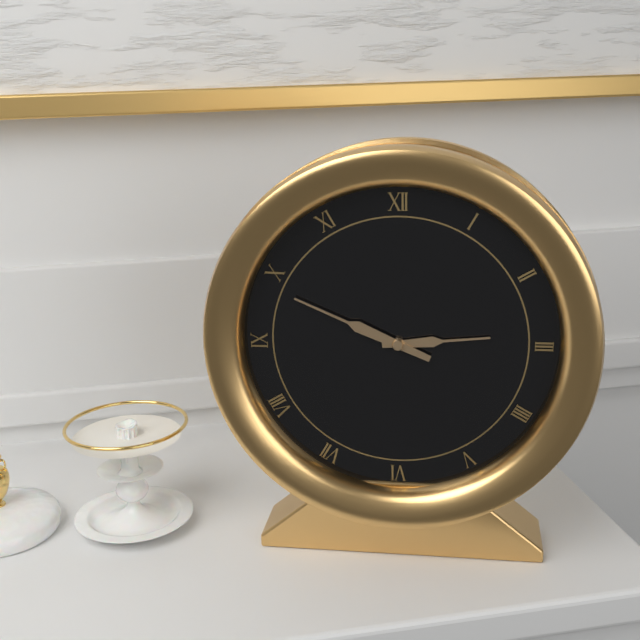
2:49
